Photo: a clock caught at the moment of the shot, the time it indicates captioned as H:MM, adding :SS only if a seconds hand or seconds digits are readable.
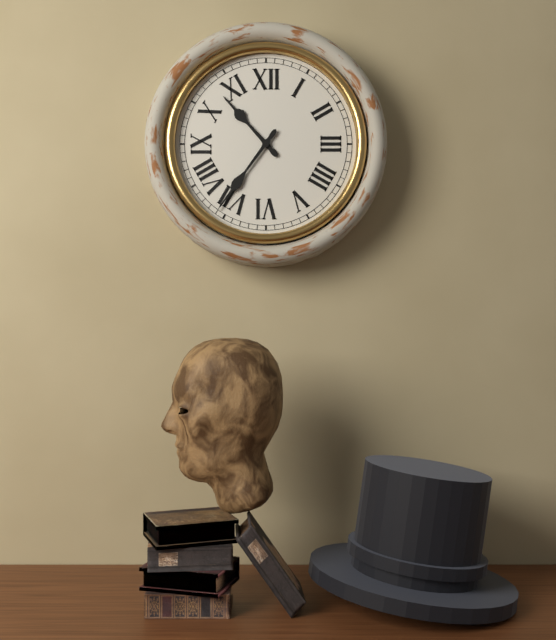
10:36
